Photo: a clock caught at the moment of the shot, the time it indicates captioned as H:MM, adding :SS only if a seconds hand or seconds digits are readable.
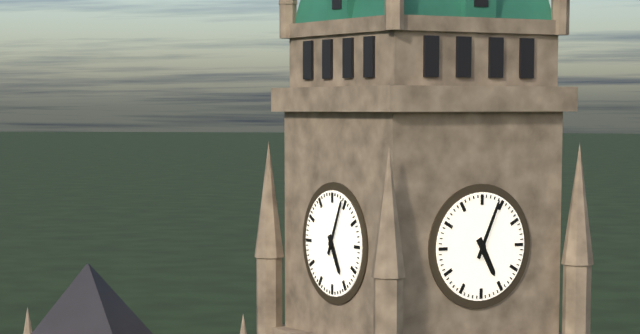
5:04
